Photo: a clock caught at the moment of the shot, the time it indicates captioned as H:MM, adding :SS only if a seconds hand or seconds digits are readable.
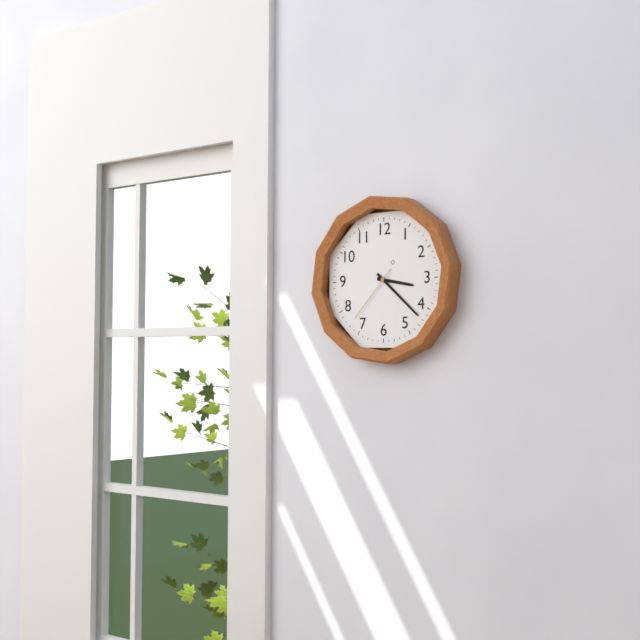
3:22:37
